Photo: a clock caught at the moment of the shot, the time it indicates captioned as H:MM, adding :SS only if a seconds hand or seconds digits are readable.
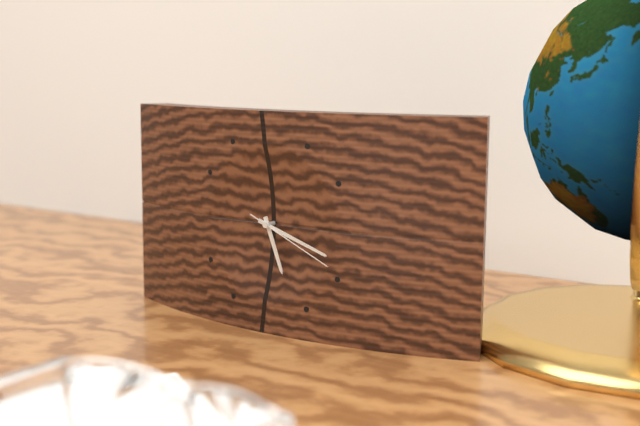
5:18:19
